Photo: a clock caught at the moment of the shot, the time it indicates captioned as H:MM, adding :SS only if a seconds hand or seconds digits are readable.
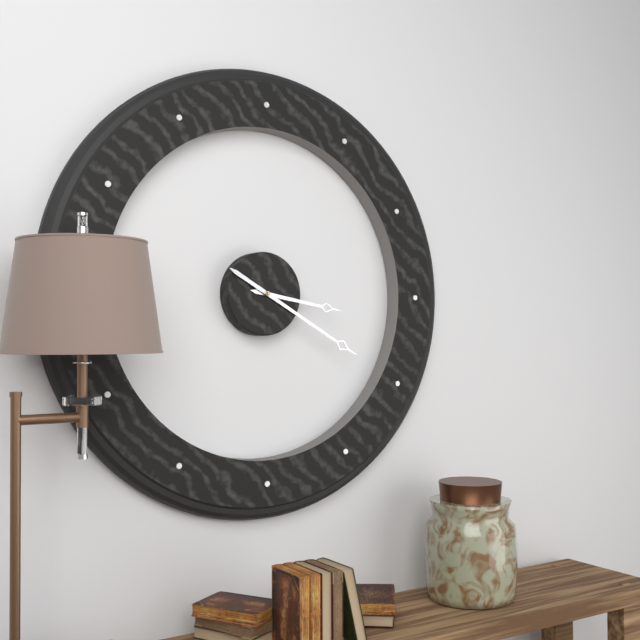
3:20
